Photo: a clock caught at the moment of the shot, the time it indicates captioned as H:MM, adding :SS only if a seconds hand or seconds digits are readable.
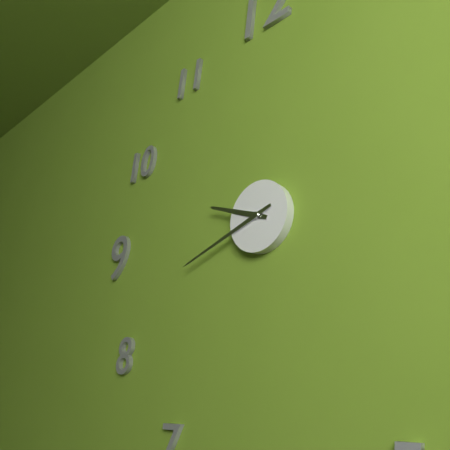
9:42
